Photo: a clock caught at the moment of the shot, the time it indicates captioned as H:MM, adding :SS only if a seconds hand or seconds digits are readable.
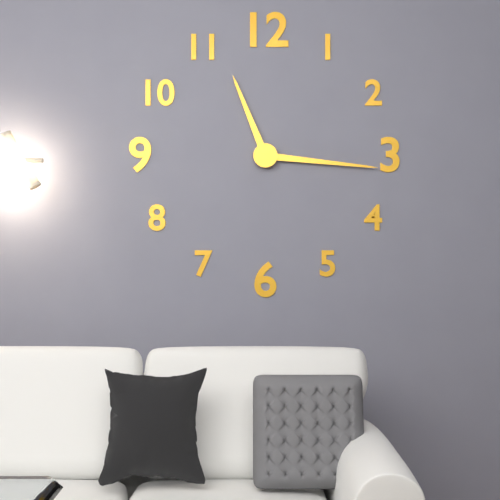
11:16
